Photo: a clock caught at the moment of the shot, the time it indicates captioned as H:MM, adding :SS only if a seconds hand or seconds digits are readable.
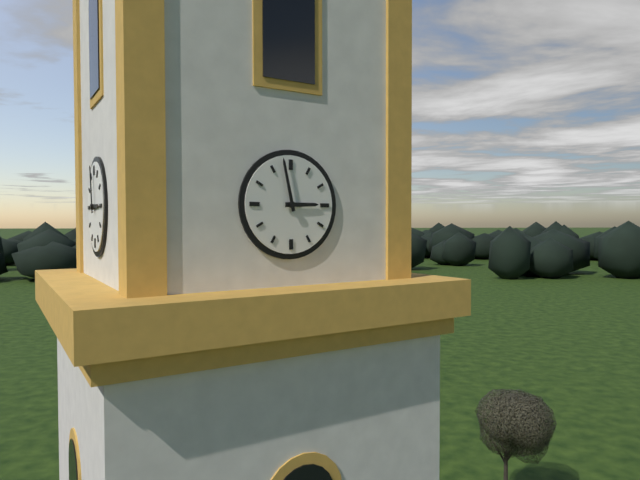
2:58
